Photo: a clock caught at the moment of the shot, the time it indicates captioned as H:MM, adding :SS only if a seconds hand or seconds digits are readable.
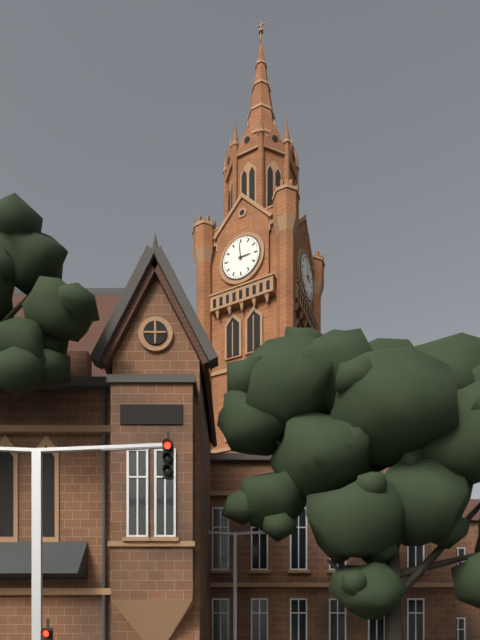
2:59
